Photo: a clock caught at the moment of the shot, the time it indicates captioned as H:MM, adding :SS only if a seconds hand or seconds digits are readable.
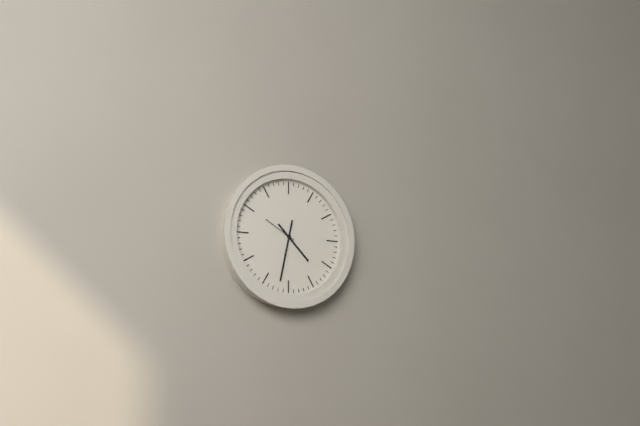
4:32
